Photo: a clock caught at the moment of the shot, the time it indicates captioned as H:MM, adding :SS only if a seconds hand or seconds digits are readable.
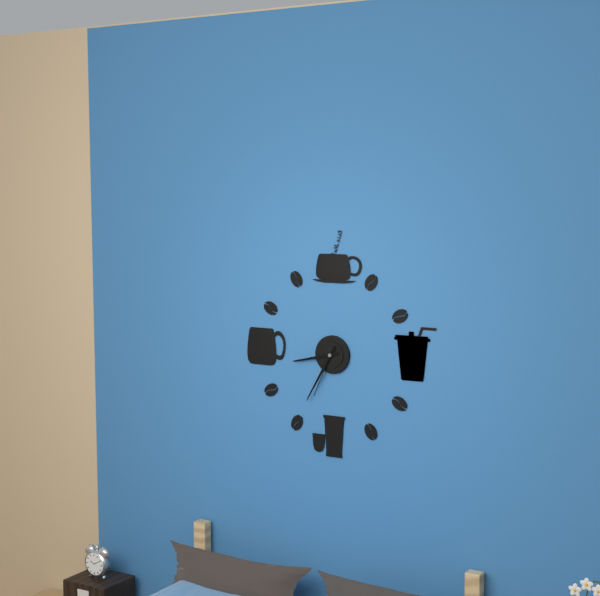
8:35:34
